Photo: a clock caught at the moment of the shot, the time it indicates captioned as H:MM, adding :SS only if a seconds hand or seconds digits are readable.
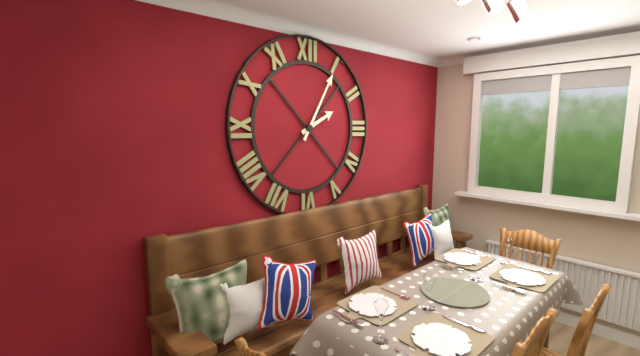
2:05
